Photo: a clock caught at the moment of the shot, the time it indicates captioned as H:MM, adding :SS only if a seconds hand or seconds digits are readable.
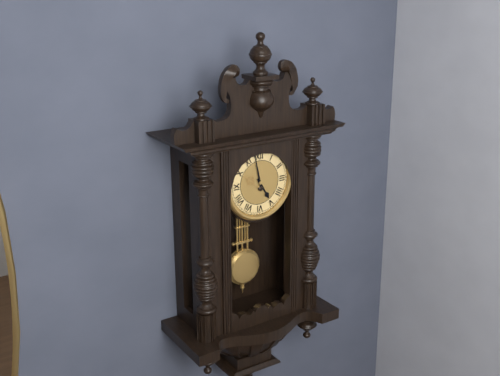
4:58
